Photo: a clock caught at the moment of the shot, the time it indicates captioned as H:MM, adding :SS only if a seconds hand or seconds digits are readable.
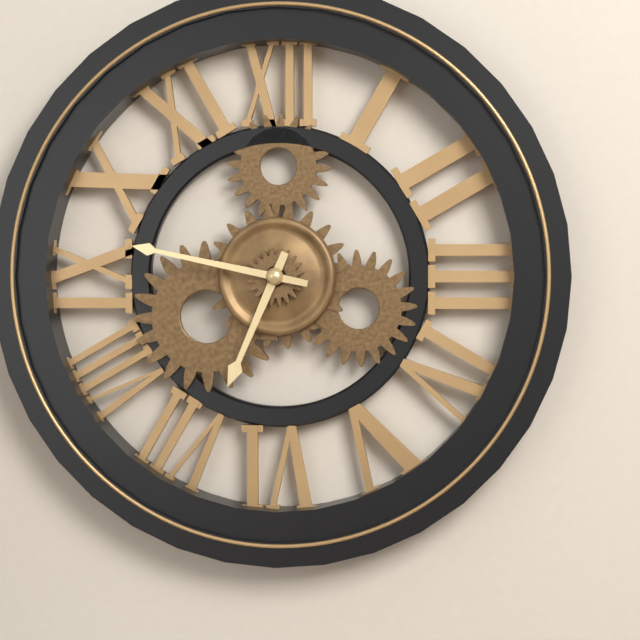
6:47
